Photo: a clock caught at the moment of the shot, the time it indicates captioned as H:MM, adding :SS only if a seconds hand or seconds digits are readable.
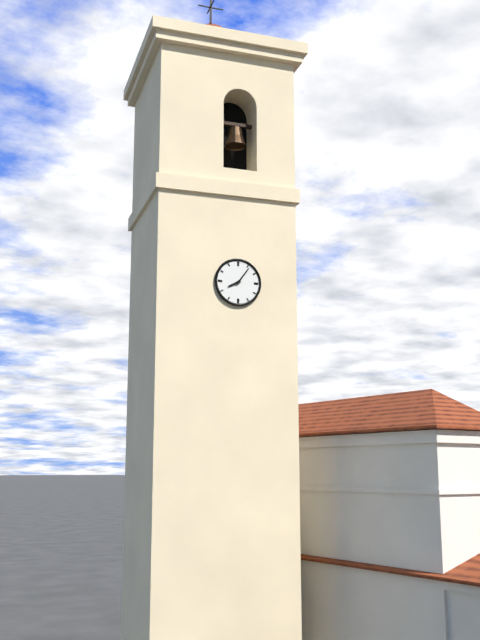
8:06
